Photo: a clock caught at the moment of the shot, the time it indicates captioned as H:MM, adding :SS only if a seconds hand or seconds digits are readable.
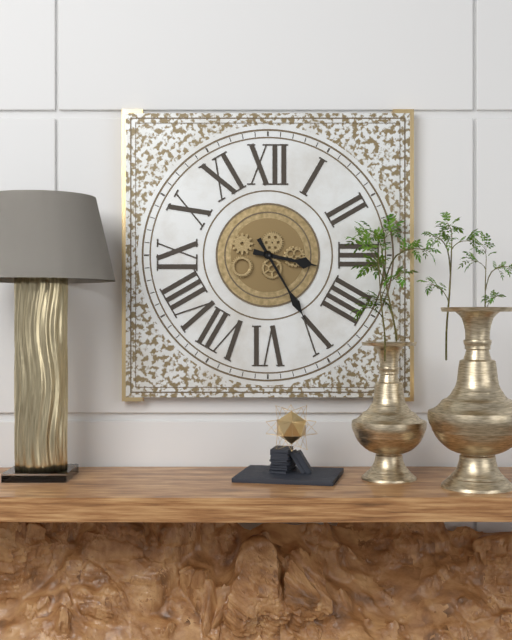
3:25
